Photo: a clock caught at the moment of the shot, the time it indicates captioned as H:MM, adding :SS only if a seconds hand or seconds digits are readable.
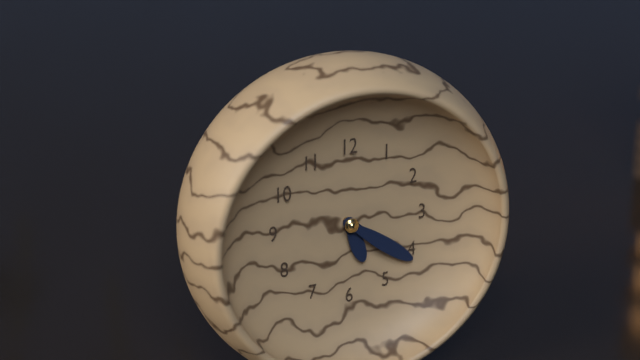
5:21
